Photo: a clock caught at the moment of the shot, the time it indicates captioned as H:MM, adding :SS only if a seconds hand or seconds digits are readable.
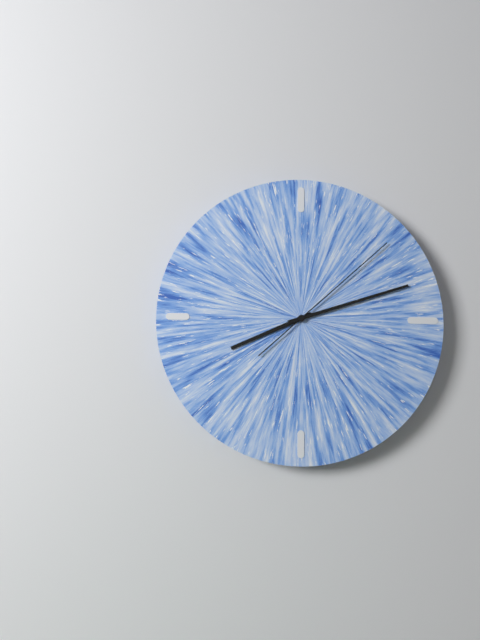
8:12:08
